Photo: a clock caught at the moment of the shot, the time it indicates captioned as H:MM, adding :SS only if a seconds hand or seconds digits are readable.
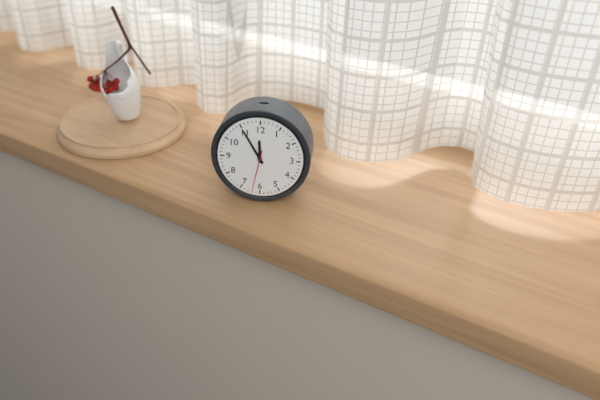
11:55
